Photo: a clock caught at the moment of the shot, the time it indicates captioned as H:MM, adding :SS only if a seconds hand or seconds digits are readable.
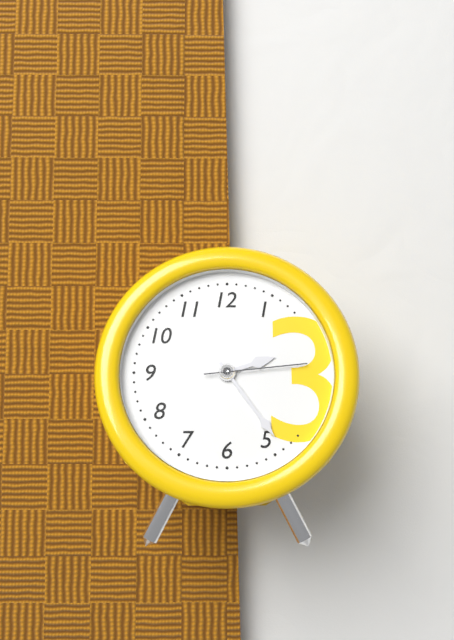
2:24:14
